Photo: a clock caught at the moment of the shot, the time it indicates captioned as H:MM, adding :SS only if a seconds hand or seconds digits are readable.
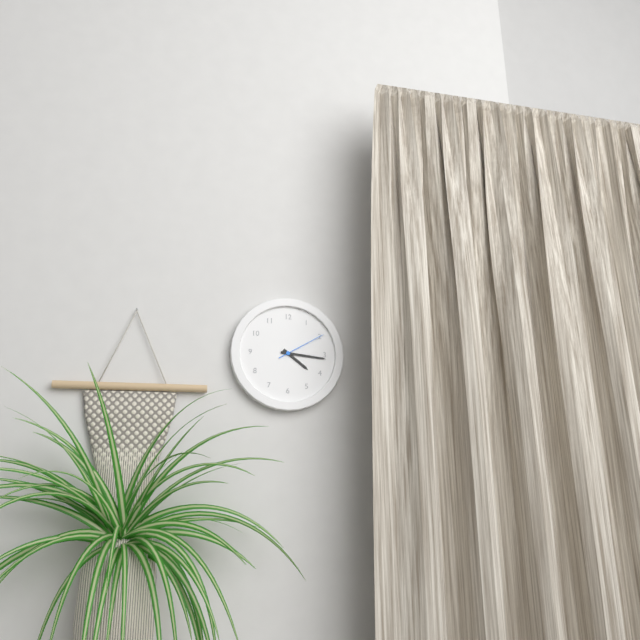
4:16
